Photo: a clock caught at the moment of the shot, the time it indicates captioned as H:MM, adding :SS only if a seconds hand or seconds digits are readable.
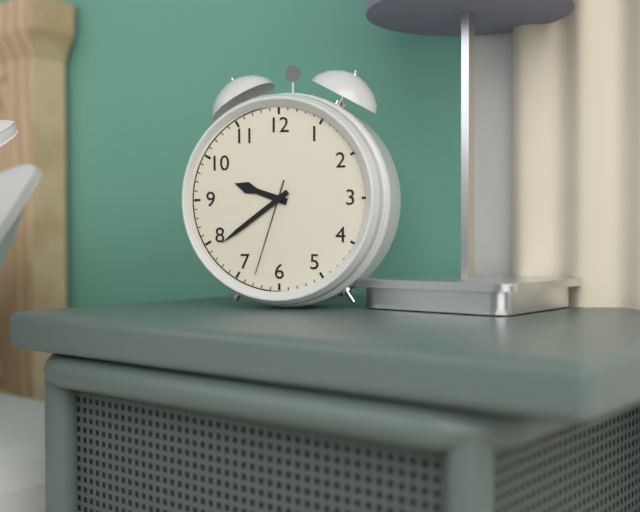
9:39:33
